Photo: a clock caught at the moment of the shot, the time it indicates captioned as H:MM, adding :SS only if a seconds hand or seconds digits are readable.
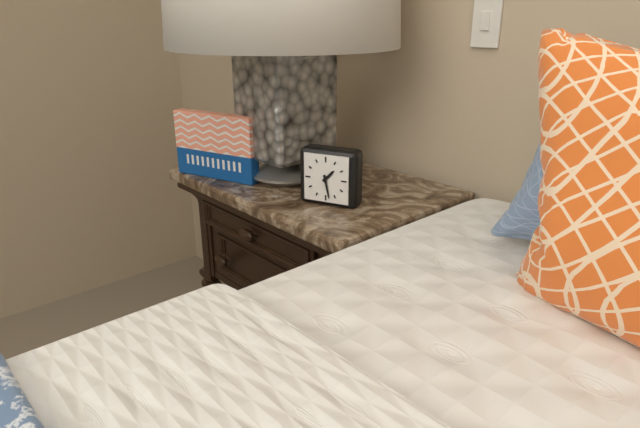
1:28
